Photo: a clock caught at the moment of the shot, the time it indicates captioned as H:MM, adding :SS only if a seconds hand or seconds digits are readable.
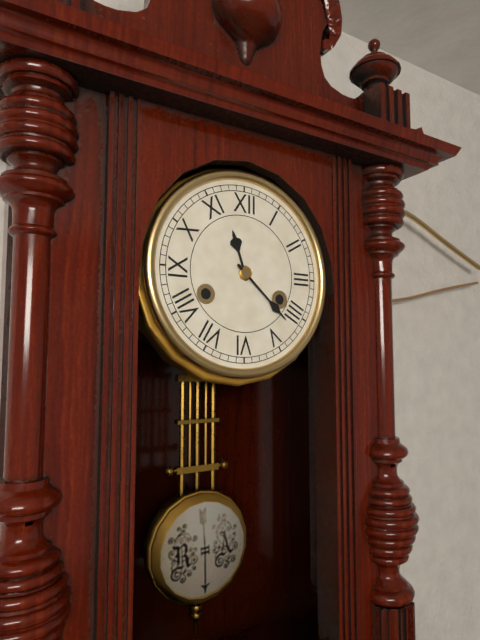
11:22
